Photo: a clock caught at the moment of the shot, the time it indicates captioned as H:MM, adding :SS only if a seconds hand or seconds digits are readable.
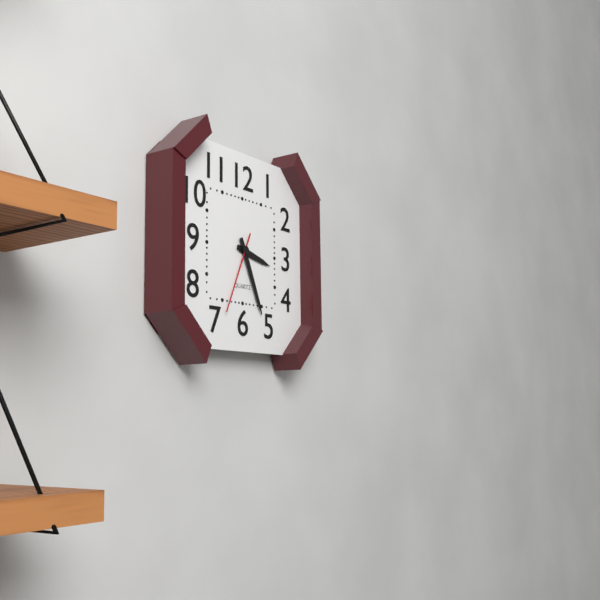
3:26:34
